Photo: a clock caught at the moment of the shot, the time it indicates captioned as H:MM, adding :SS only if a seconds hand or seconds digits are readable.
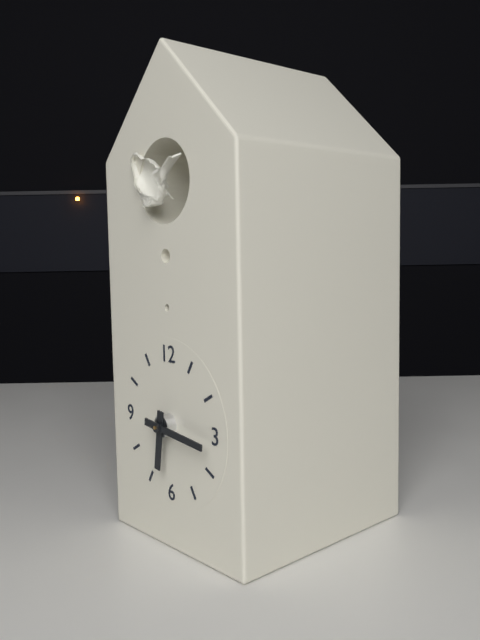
6:16
